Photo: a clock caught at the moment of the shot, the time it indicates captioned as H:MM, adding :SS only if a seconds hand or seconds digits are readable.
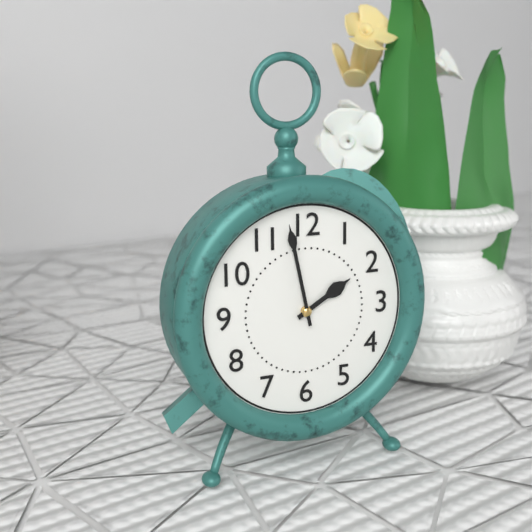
1:58
